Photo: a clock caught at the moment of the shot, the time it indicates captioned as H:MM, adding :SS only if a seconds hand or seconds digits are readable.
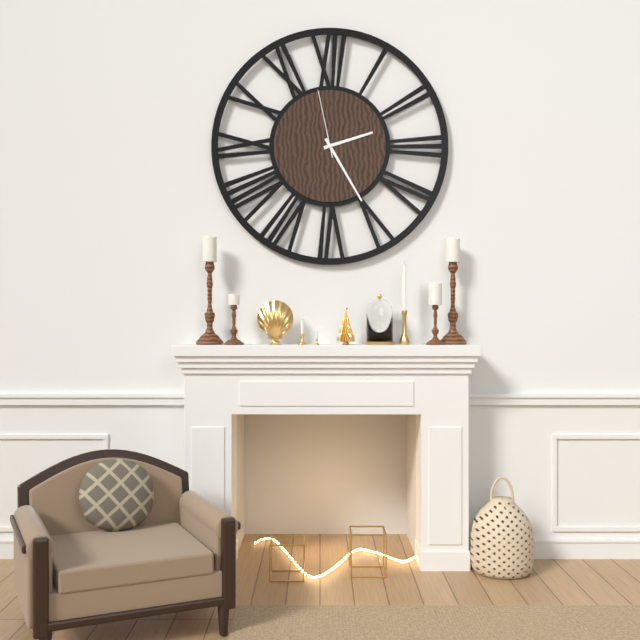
2:25:58
